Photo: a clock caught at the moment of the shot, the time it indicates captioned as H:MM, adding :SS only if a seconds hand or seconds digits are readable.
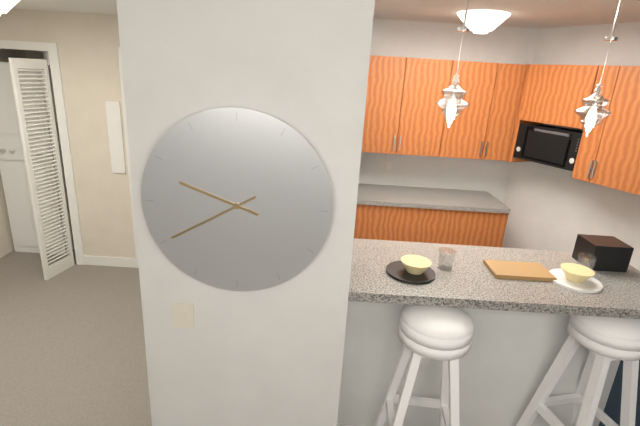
9:40
